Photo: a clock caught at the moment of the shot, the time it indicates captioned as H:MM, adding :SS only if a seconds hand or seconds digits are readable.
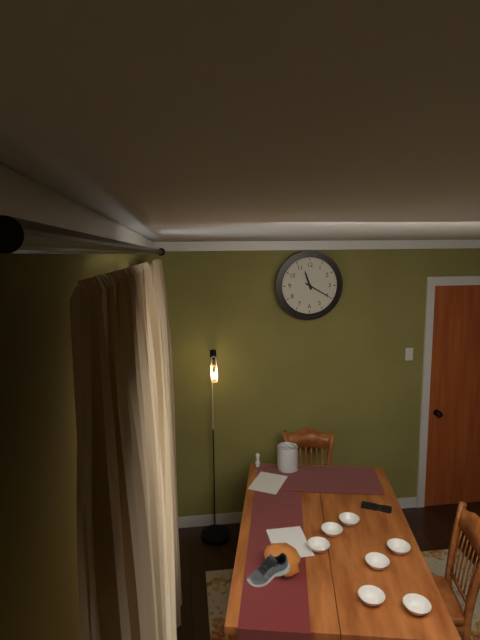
11:20
